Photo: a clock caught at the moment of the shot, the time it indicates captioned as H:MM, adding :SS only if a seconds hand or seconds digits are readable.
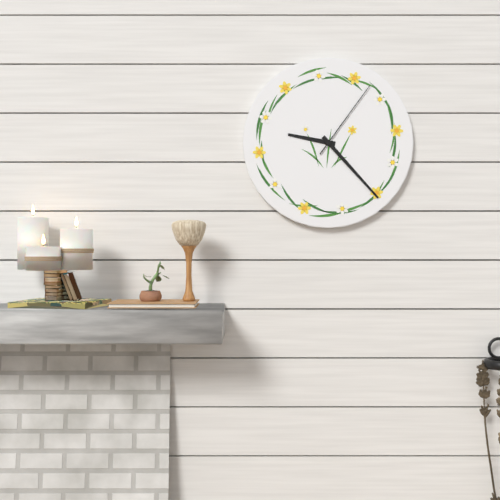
9:23:06
